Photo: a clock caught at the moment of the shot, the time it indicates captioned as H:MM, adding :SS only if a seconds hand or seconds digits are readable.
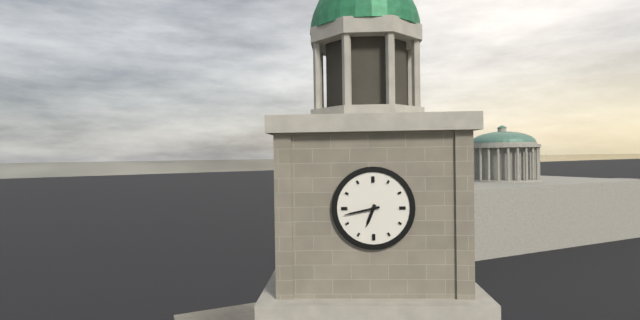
6:43
